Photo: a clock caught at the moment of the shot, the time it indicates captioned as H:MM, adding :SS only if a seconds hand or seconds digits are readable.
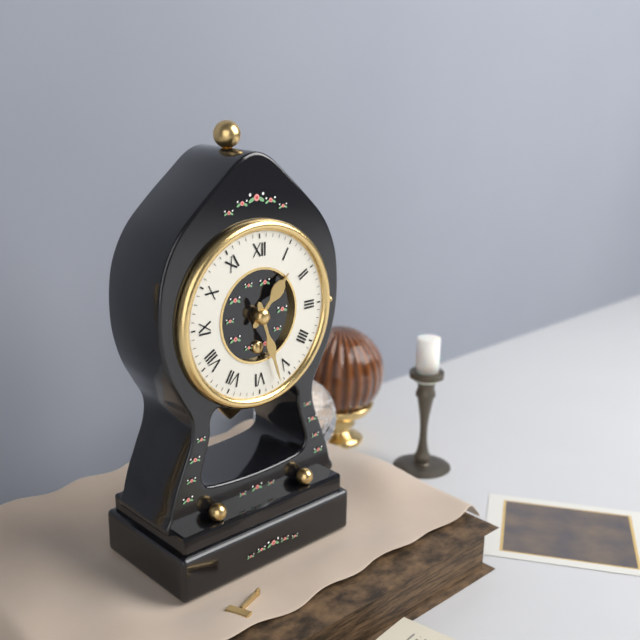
1:27
